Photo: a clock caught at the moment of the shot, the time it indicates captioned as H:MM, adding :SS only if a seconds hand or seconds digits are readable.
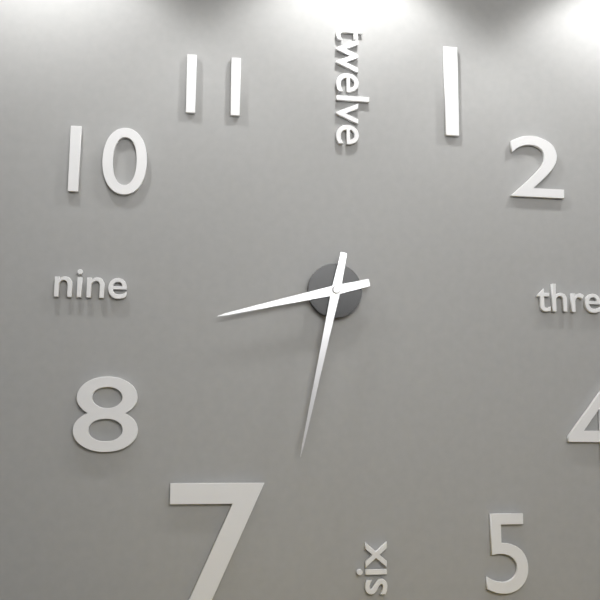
8:32
